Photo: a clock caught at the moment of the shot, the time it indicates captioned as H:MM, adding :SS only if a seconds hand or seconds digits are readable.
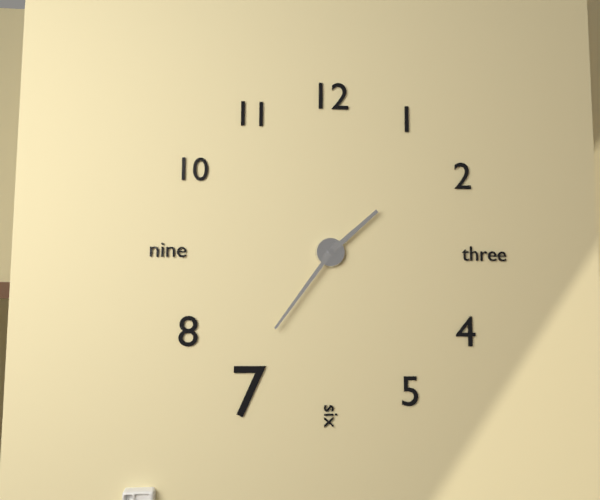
1:36
